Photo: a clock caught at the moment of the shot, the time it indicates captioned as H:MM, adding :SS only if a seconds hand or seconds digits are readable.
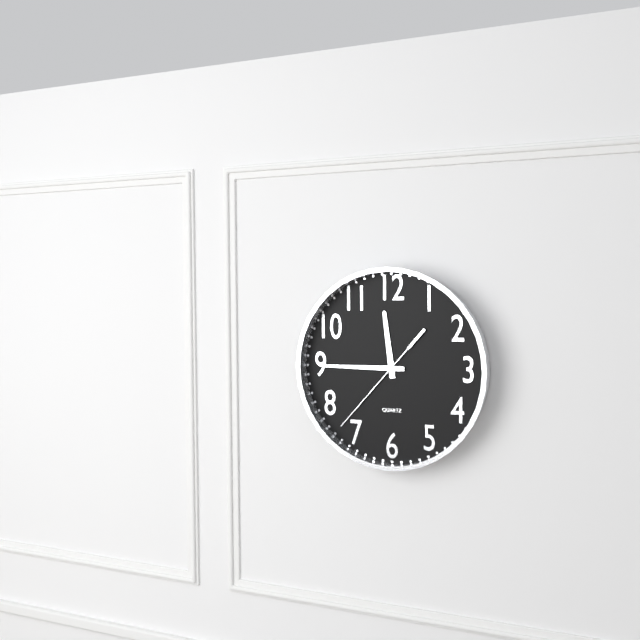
11:45:37
